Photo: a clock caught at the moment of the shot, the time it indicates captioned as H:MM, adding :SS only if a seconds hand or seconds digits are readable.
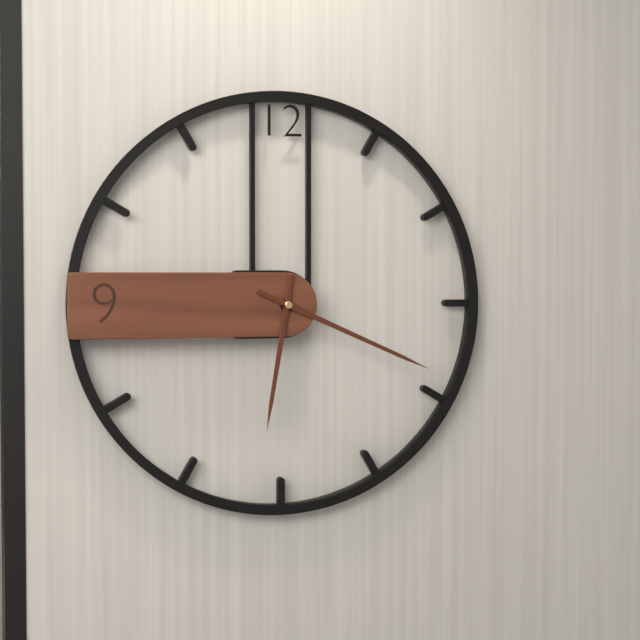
6:19
